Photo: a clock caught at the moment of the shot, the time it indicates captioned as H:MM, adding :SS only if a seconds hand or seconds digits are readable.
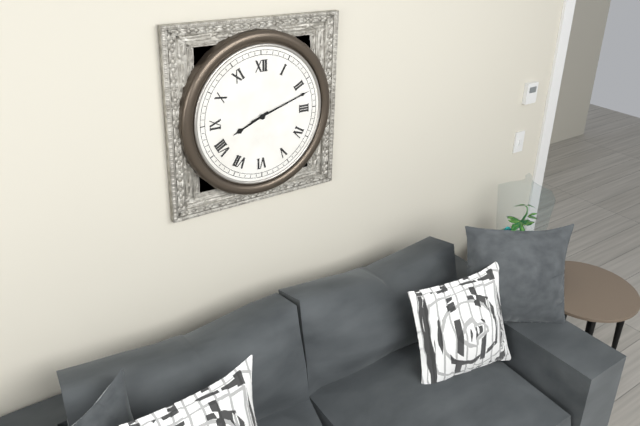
8:12
